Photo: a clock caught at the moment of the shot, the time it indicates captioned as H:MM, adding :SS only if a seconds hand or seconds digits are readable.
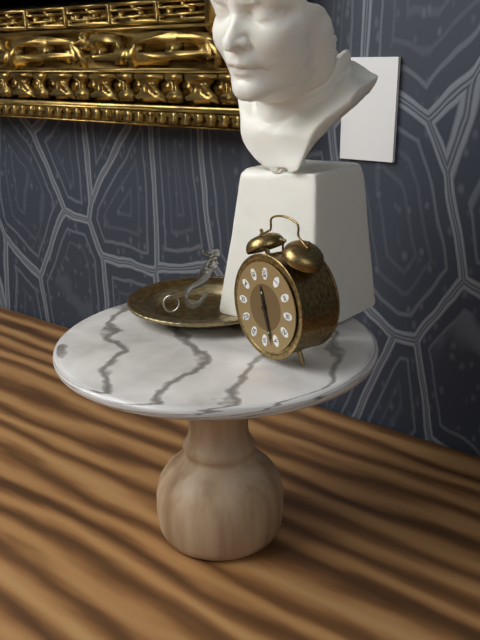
11:27
